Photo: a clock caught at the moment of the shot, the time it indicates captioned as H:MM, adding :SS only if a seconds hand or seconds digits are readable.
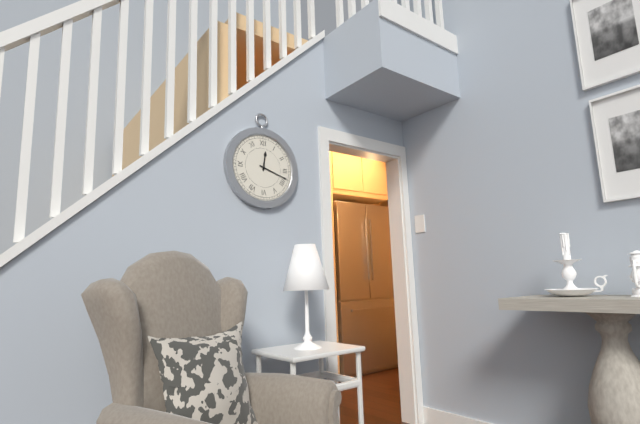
12:18
